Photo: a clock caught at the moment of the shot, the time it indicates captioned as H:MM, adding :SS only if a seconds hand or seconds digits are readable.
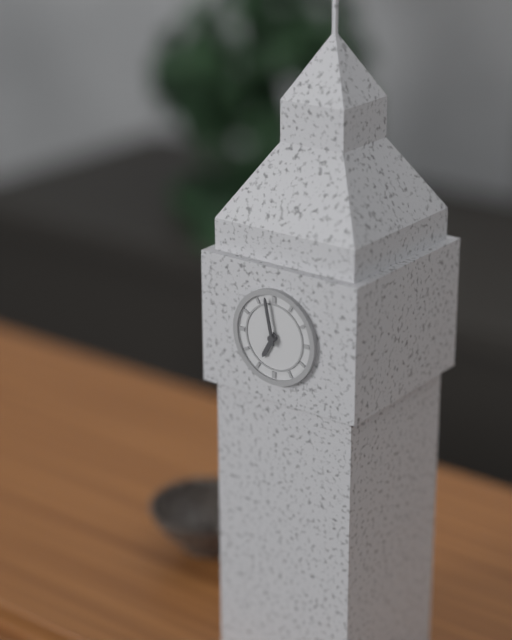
6:58
